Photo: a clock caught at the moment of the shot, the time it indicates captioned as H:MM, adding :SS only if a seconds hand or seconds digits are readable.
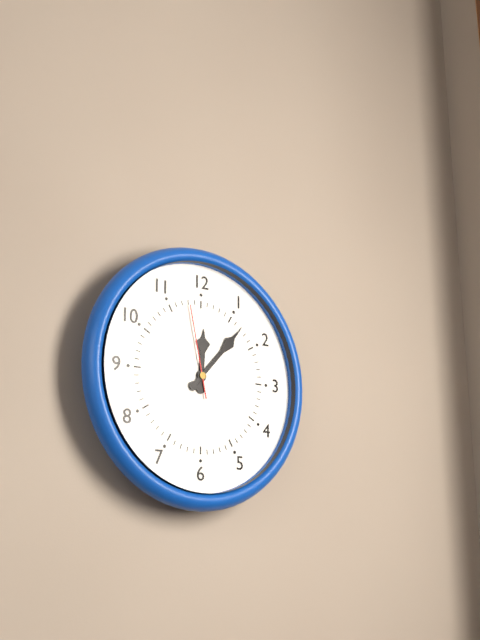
12:07:58
